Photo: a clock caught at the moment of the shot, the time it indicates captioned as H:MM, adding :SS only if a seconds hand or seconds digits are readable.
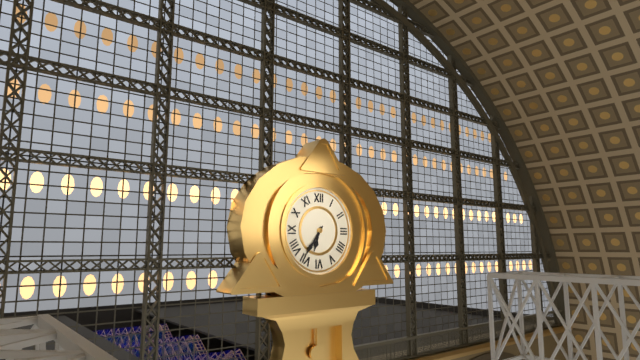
6:36
